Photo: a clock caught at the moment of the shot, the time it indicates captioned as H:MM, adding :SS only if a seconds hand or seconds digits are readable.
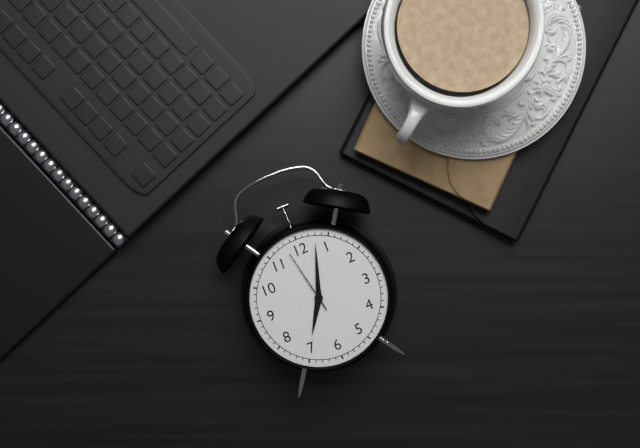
7:03:58
